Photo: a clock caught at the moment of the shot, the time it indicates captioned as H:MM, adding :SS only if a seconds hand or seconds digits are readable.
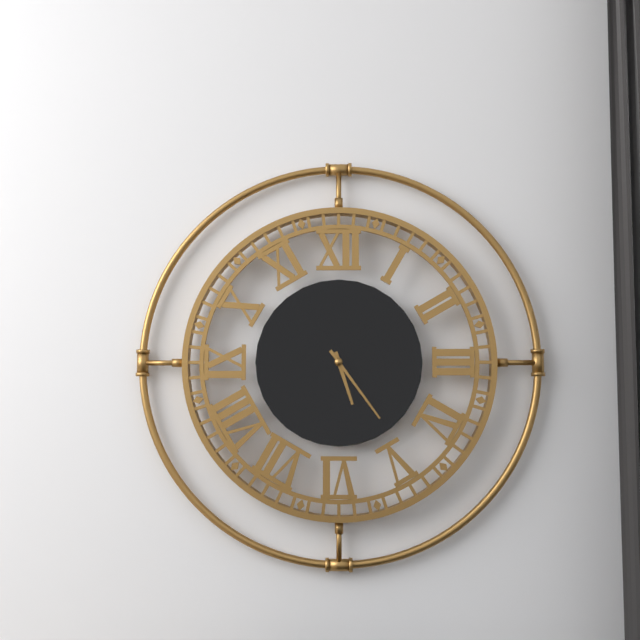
5:24
